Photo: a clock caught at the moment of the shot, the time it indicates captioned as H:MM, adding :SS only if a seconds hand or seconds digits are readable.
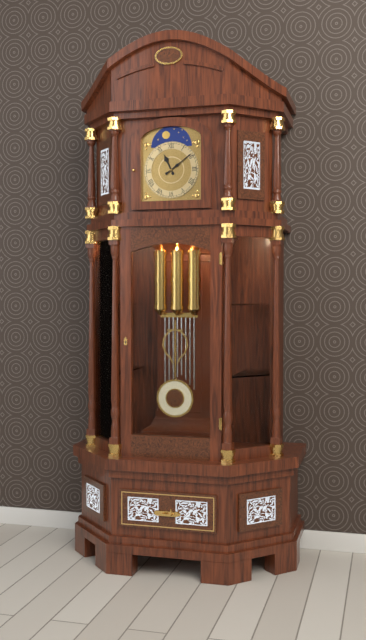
11:09
